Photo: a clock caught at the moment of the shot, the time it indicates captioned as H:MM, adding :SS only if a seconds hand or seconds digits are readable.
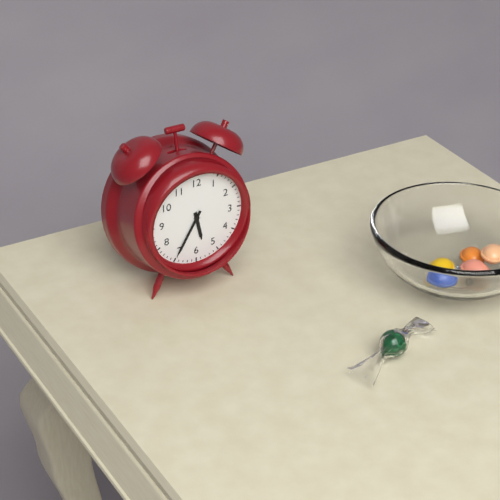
5:35
